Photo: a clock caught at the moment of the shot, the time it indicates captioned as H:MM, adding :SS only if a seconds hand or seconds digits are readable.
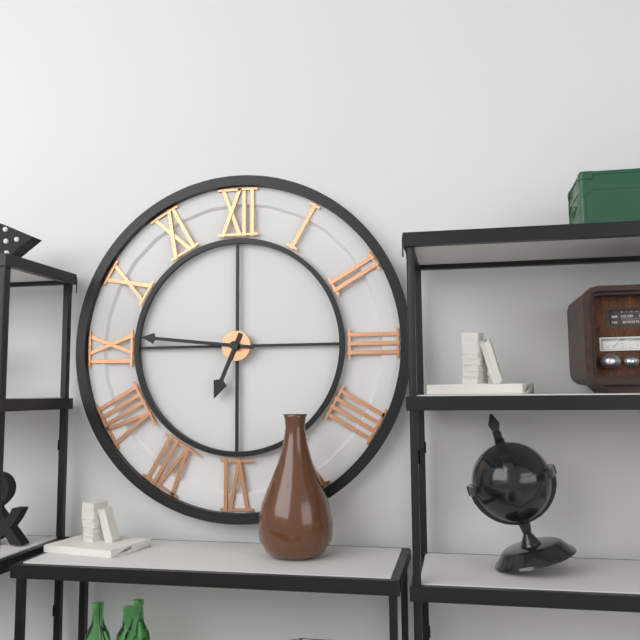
6:46
